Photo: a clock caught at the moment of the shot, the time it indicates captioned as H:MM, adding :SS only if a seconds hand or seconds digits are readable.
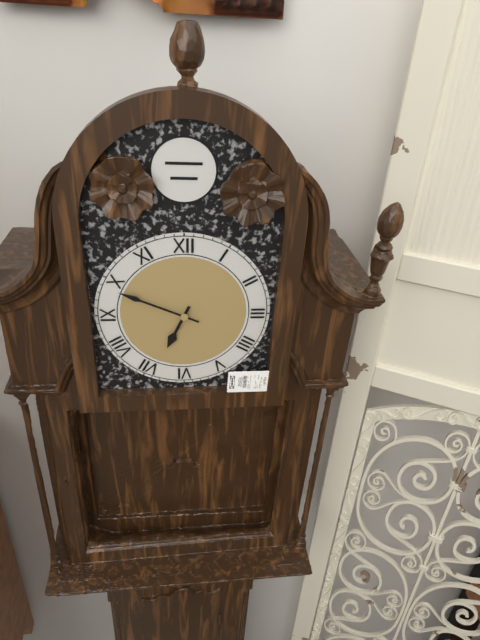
6:49
